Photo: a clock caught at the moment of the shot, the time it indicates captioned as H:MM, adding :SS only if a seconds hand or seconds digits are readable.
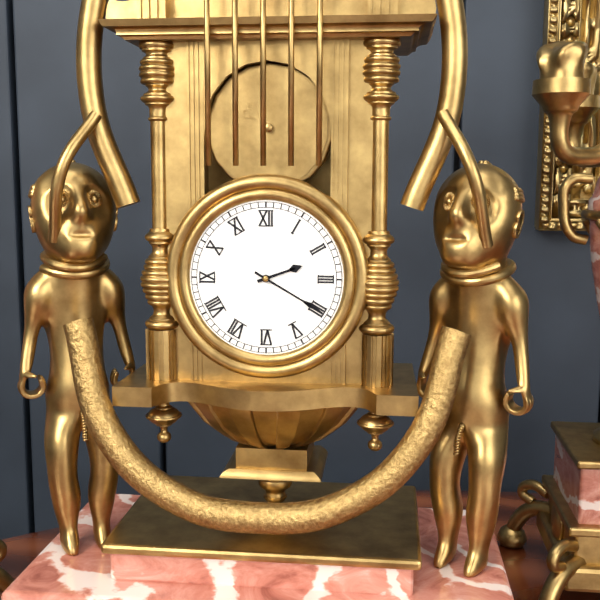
2:20
